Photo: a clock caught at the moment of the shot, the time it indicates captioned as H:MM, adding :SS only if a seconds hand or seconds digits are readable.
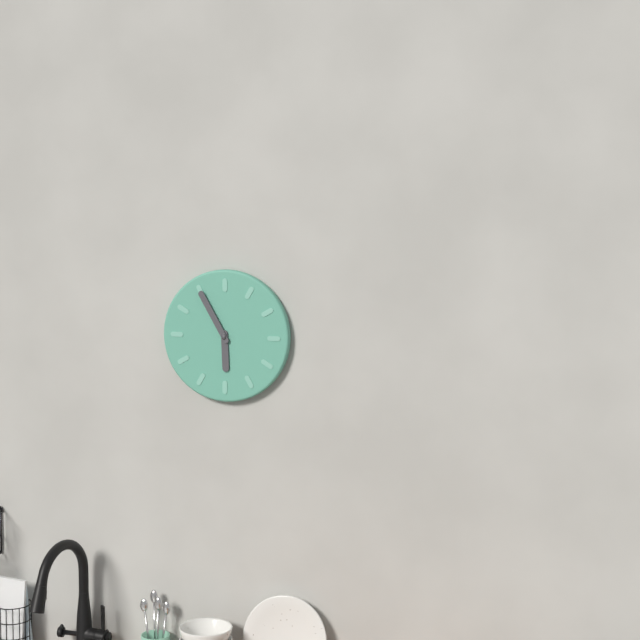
5:55
